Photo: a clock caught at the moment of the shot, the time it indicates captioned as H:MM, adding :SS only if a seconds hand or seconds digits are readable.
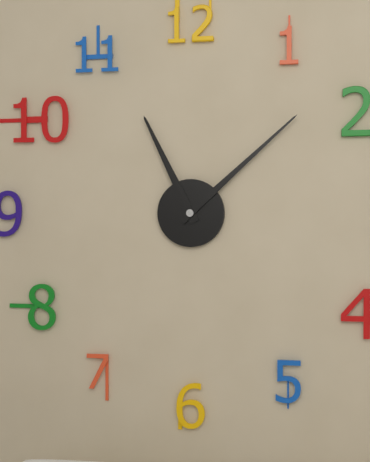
11:08
